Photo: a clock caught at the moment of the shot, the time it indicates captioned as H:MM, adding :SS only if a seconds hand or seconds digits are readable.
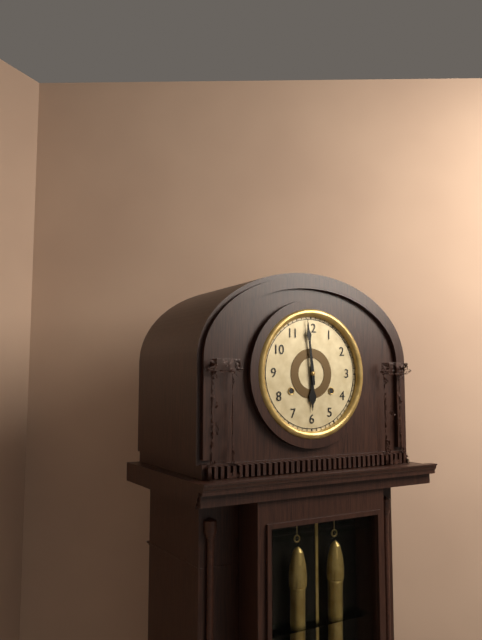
5:59
